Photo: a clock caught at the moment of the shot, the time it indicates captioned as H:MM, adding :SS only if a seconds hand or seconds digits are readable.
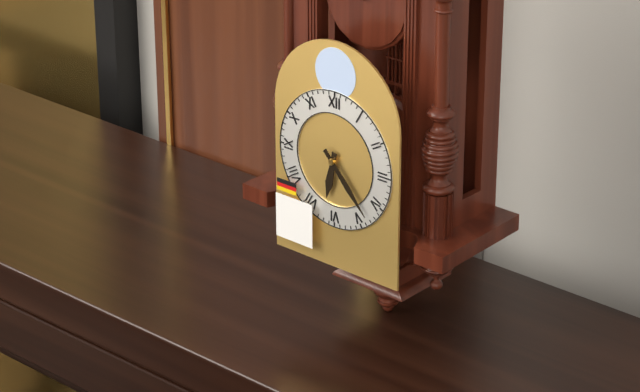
6:23
